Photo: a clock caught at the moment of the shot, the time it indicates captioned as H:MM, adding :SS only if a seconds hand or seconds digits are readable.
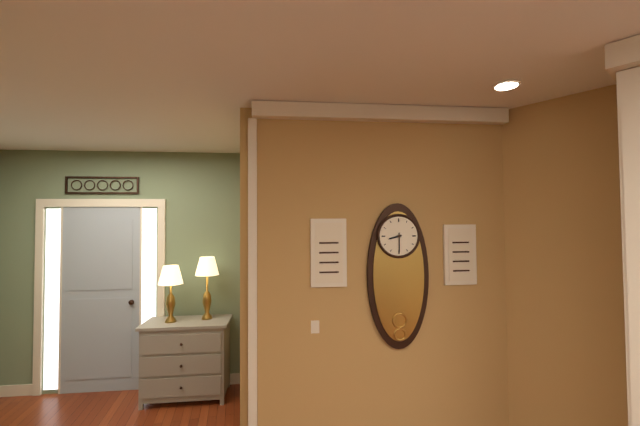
8:30
